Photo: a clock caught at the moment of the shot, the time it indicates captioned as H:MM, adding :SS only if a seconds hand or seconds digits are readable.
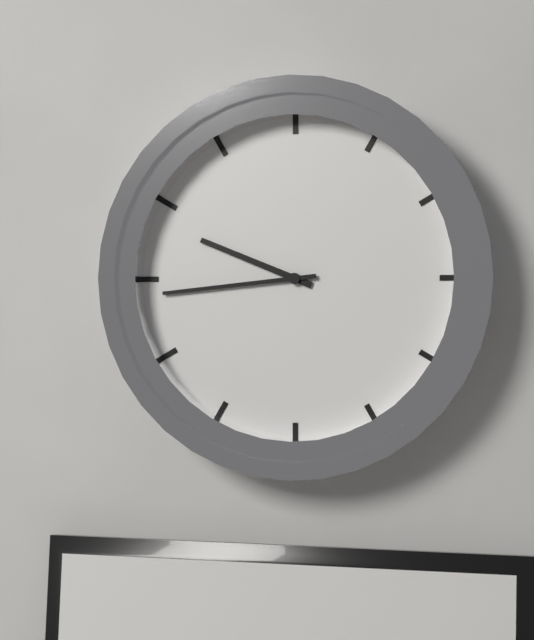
9:44
